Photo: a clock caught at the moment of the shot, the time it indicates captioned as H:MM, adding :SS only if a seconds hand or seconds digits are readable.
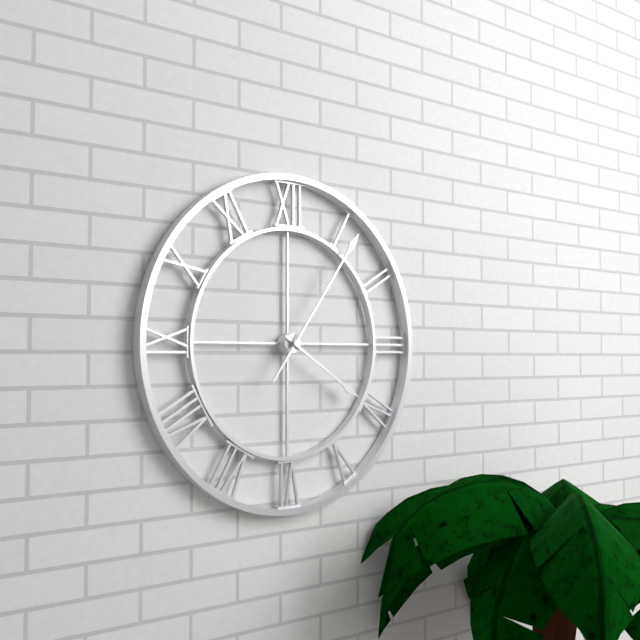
4:06
